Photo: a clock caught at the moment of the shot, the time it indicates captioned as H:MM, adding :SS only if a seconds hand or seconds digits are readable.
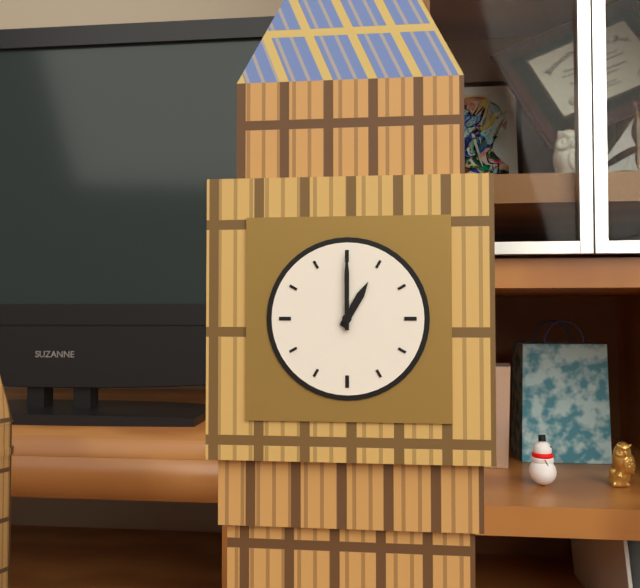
1:00
